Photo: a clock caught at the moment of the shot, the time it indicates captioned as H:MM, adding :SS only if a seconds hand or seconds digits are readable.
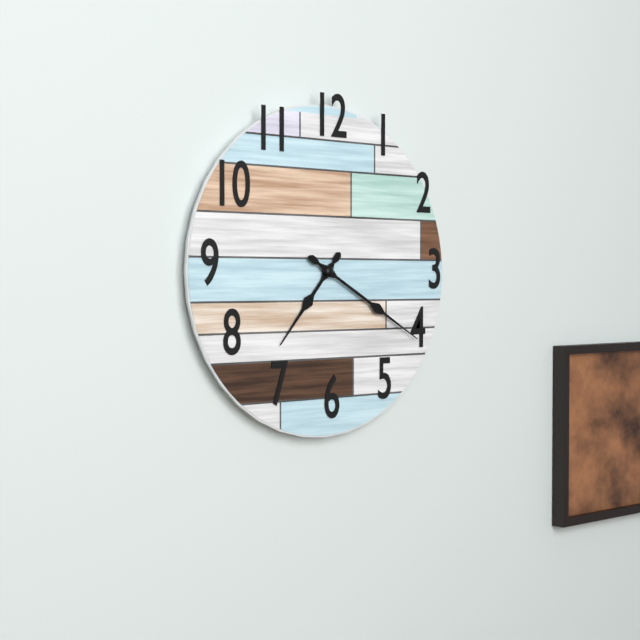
7:20
